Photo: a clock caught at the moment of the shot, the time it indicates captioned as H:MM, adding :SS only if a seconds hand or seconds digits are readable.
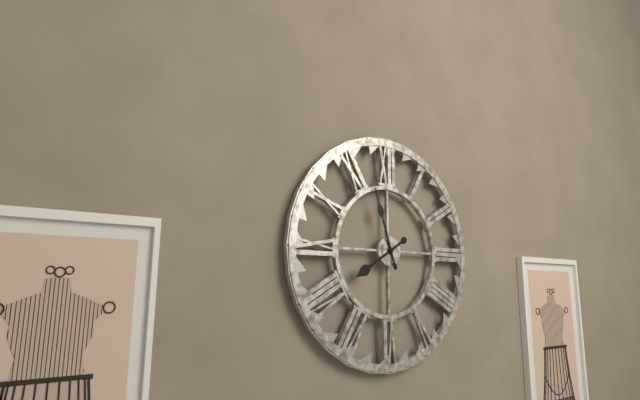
7:57
